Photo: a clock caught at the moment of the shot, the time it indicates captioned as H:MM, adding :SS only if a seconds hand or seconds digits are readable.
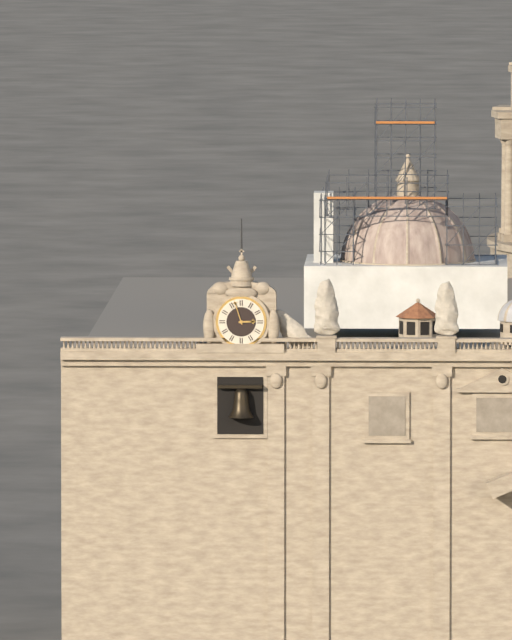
2:57
